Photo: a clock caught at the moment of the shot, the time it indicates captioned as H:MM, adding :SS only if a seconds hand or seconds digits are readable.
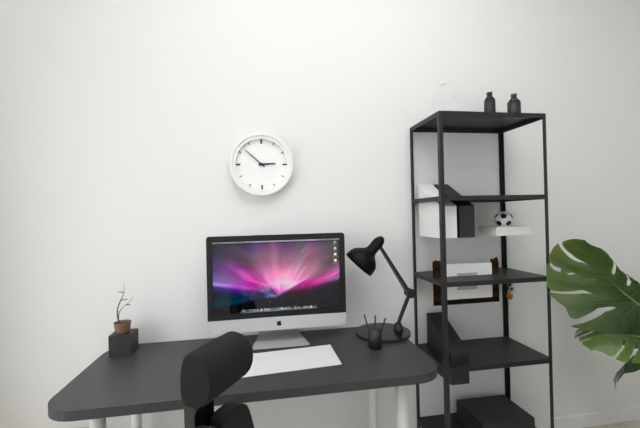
2:52
